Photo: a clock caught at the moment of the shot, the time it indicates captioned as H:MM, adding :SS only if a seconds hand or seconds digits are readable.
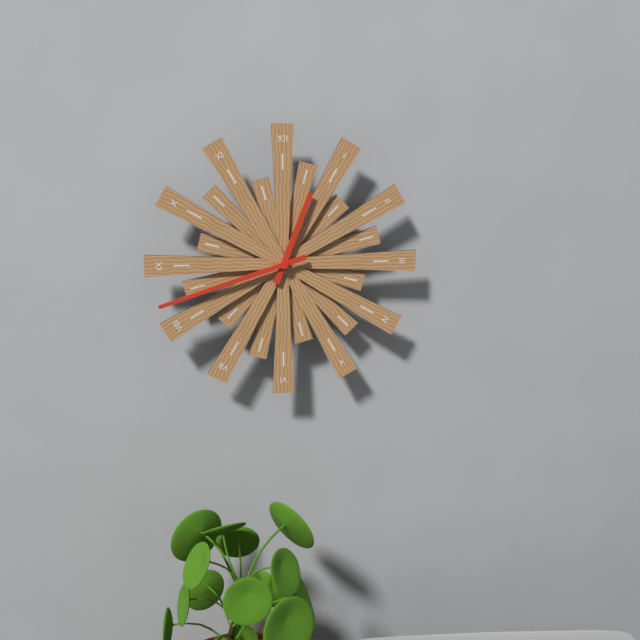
12:42
